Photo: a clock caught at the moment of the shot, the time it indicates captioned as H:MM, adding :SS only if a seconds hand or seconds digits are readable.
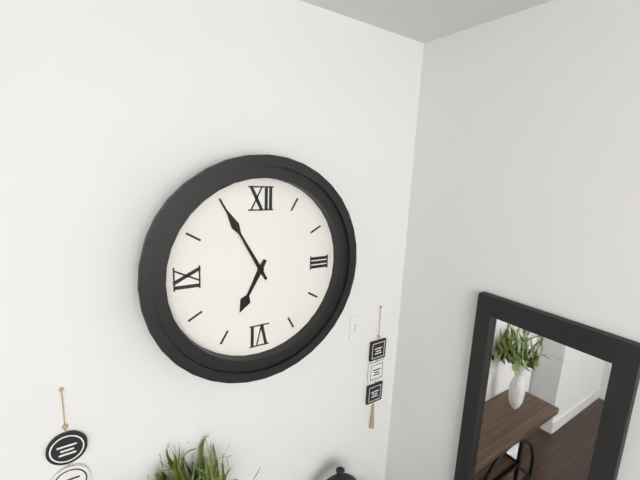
6:55
